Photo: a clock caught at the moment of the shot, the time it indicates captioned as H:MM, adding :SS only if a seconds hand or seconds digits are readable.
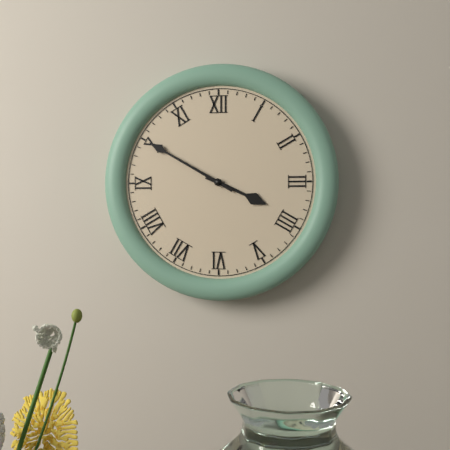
3:50
